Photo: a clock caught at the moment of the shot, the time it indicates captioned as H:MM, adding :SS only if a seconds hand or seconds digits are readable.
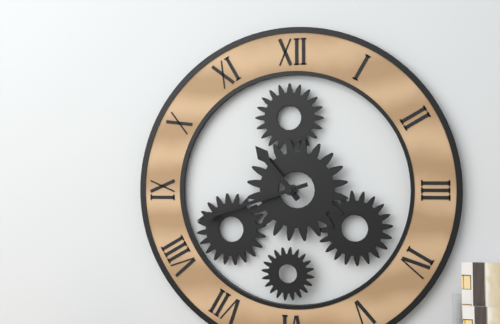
10:42
